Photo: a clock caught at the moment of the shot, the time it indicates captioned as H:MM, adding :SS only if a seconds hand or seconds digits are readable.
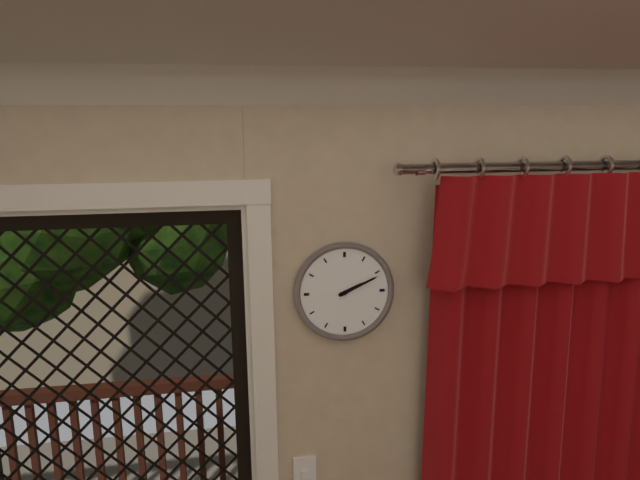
2:11
